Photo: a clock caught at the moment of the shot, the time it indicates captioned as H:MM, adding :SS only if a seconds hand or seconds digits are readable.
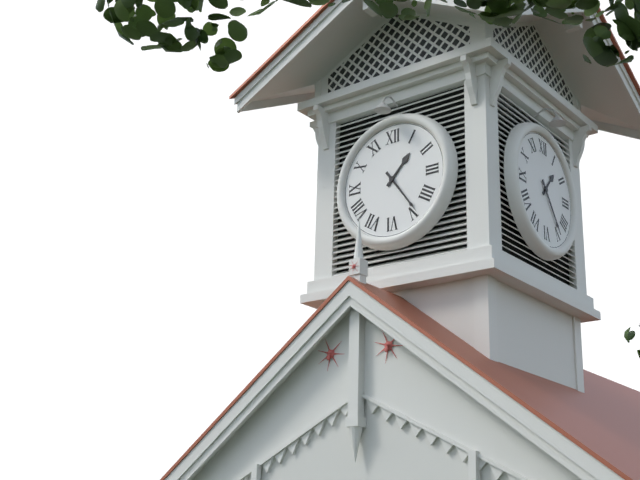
1:24
